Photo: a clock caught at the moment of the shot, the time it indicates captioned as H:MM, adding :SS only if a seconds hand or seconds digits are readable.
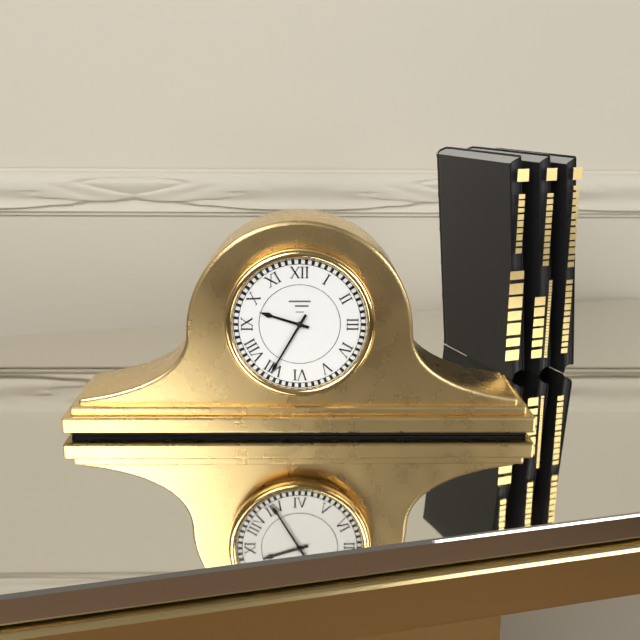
9:35
